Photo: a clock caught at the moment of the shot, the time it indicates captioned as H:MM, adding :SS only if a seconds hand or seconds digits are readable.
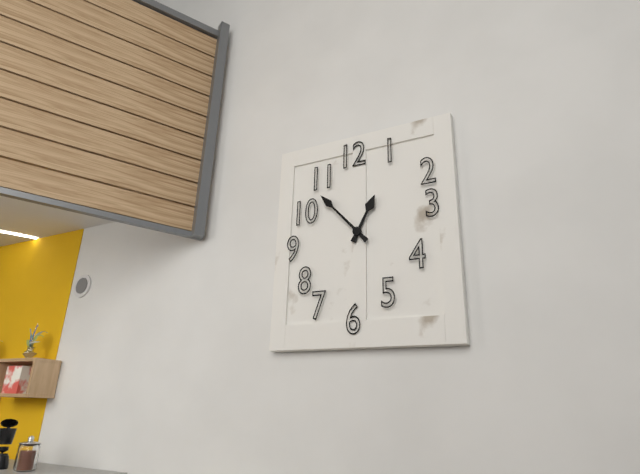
12:53
